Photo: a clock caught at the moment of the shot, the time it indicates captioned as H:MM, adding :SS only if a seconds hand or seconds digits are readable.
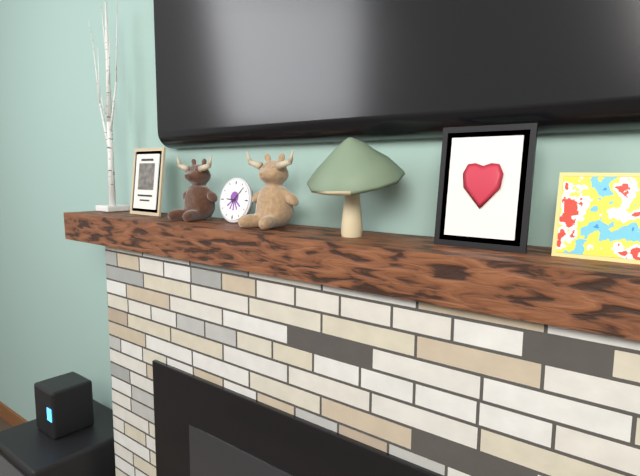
9:07
